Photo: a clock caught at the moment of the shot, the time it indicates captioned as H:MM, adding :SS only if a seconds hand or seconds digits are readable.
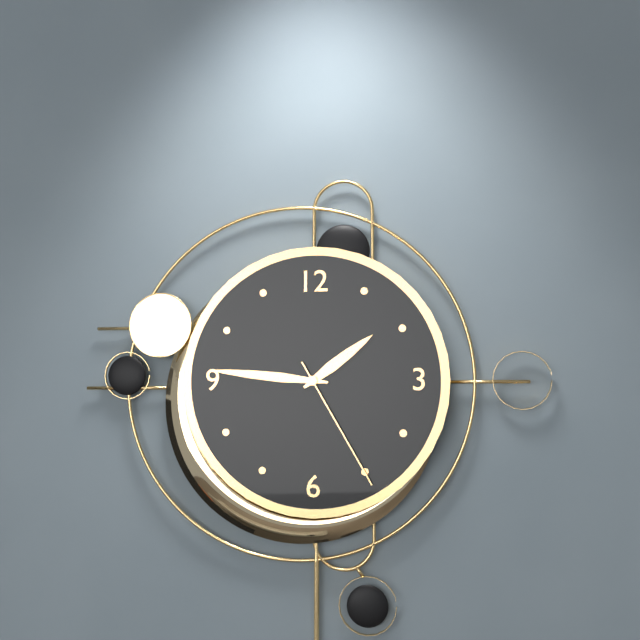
1:46:25
